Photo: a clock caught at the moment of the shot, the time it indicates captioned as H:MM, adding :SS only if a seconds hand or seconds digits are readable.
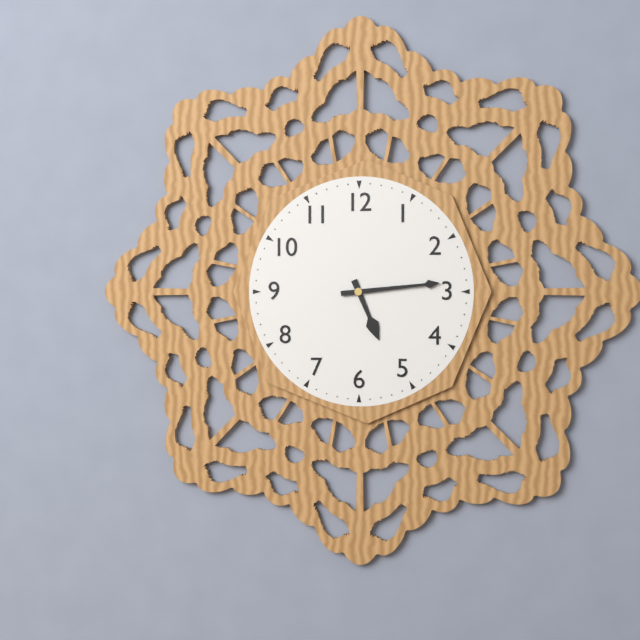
5:14
